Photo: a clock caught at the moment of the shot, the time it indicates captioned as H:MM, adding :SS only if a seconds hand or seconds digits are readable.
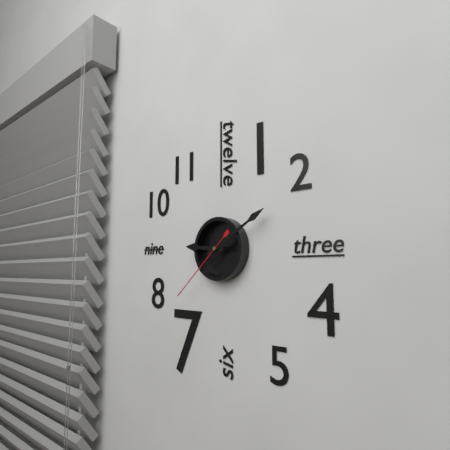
9:10:38
